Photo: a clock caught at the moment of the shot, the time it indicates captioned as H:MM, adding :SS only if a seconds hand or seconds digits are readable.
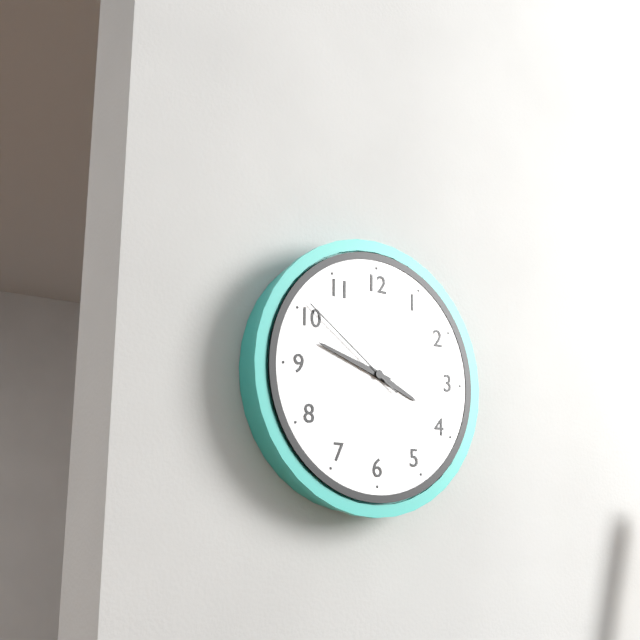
3:48:51
